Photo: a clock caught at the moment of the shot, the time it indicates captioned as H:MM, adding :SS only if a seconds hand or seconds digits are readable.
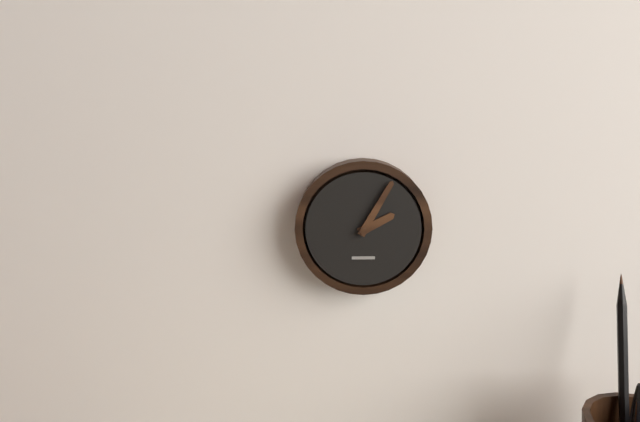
2:05
